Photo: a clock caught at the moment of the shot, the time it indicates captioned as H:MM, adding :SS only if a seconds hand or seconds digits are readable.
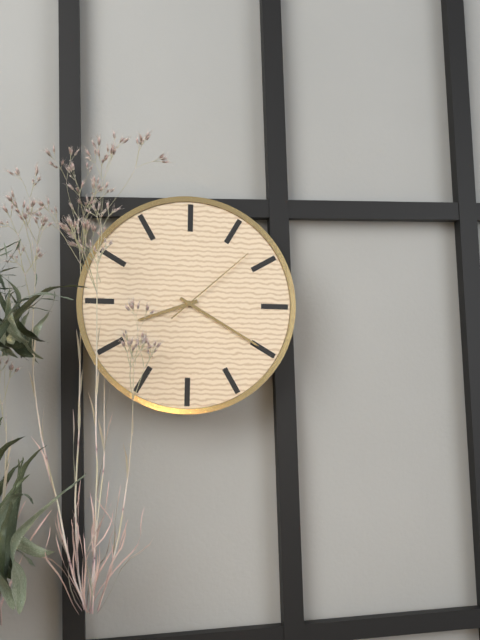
8:20:08
